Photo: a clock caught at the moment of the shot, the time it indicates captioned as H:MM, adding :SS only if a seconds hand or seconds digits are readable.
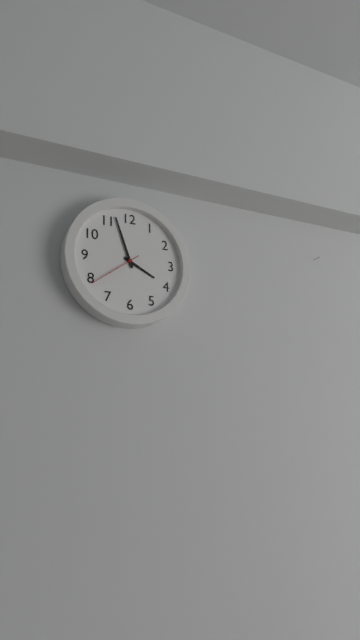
3:57:39
